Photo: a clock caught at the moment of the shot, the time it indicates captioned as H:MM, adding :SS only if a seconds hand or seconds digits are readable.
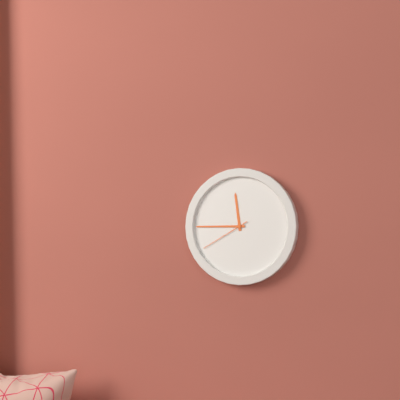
11:45:40
